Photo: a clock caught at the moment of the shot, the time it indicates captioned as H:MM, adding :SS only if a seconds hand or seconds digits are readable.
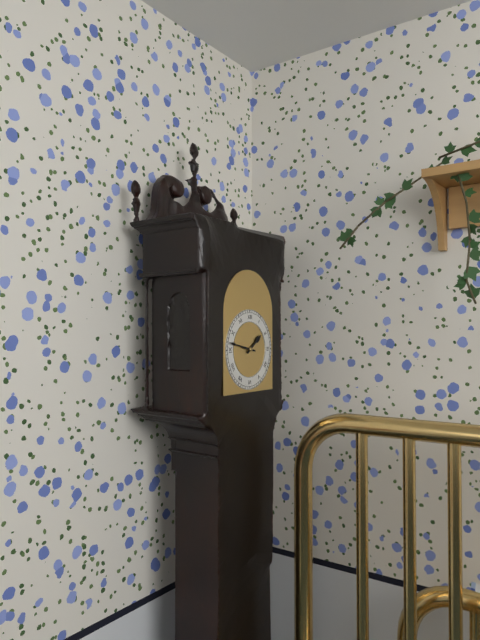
1:47
